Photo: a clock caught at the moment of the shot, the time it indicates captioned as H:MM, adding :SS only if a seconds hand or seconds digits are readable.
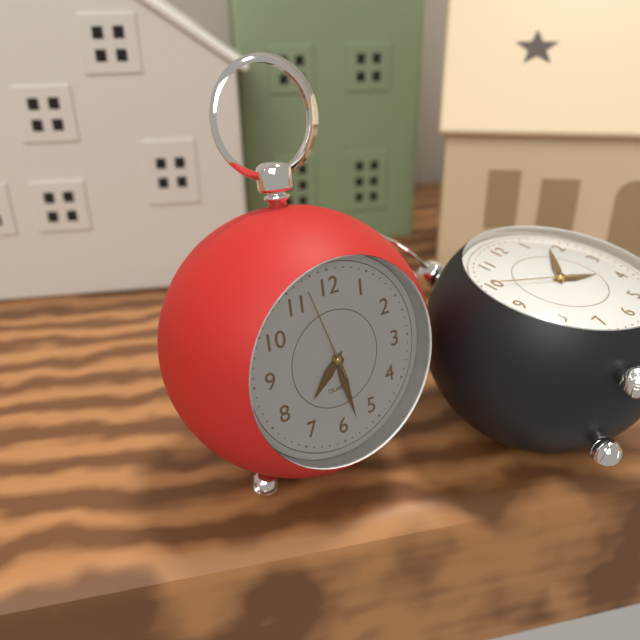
7:28:57
